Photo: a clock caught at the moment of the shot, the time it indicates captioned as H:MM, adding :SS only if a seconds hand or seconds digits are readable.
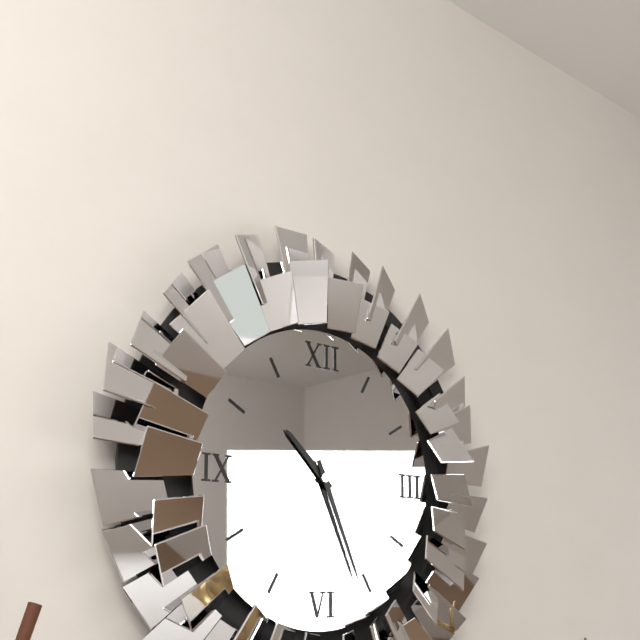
10:26
